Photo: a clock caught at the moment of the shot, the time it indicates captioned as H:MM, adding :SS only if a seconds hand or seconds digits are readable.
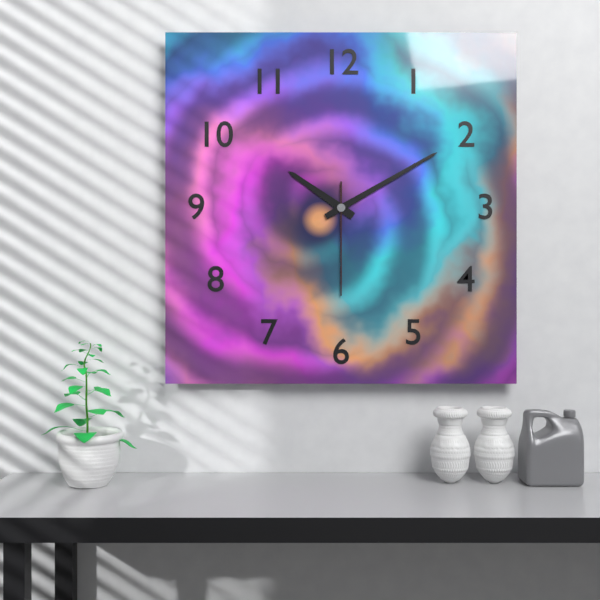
10:10:30
